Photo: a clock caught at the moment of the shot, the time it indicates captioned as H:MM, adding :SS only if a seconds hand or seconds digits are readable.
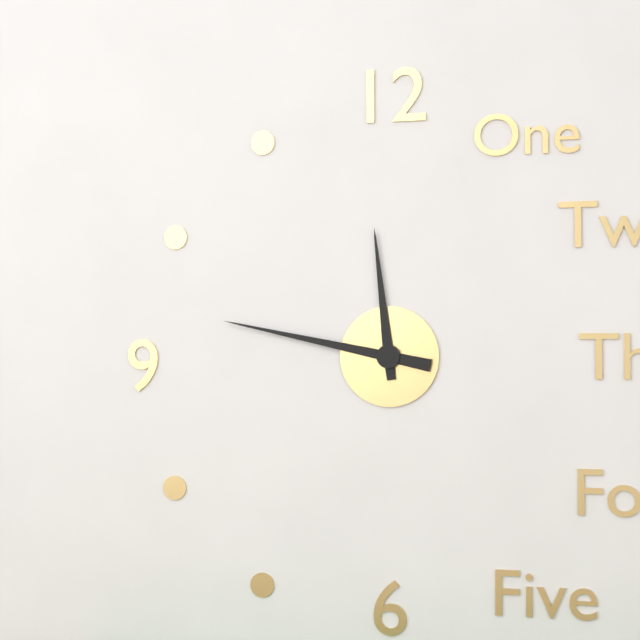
11:47
